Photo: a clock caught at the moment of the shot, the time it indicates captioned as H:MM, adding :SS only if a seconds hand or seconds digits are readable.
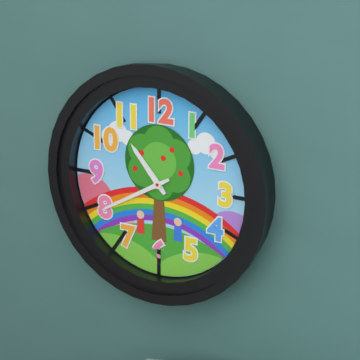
10:40
